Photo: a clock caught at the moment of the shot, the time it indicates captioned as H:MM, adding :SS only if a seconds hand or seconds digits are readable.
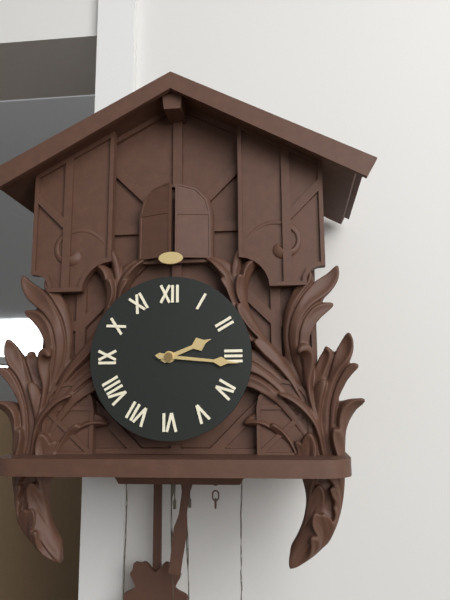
2:16
